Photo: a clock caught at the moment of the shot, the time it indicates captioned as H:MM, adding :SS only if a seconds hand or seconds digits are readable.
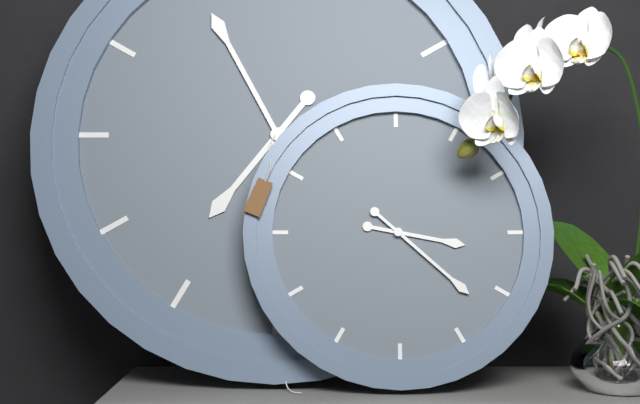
3:22
